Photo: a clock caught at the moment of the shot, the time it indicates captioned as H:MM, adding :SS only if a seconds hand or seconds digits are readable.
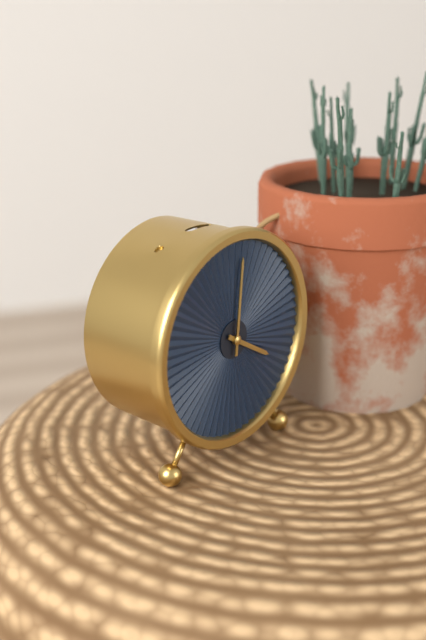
4:01
